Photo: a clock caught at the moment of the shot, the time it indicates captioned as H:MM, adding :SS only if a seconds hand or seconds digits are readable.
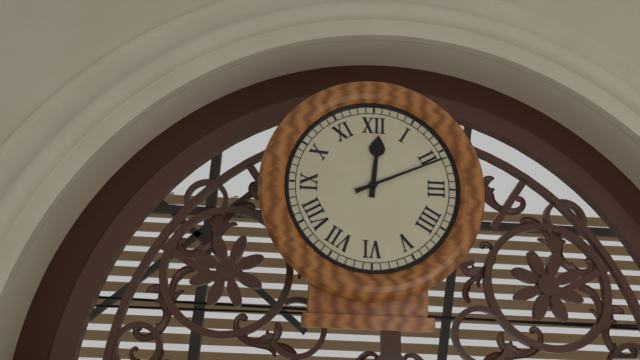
12:11
